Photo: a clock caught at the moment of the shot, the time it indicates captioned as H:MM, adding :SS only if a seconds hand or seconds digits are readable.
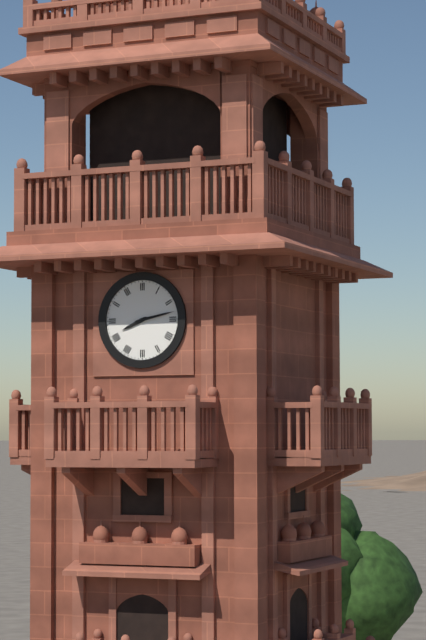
8:13
